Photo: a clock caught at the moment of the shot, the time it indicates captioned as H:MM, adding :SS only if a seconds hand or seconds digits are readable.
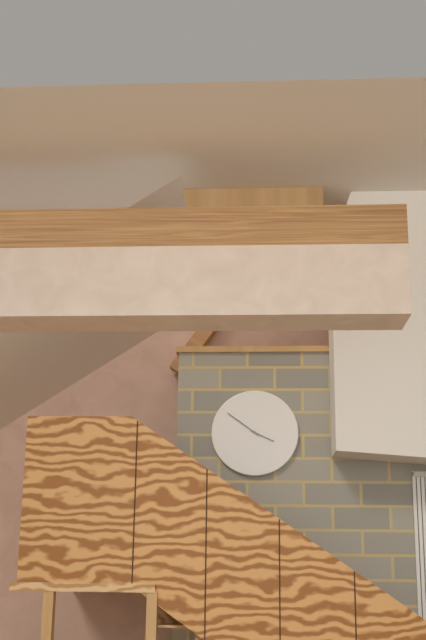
3:51
